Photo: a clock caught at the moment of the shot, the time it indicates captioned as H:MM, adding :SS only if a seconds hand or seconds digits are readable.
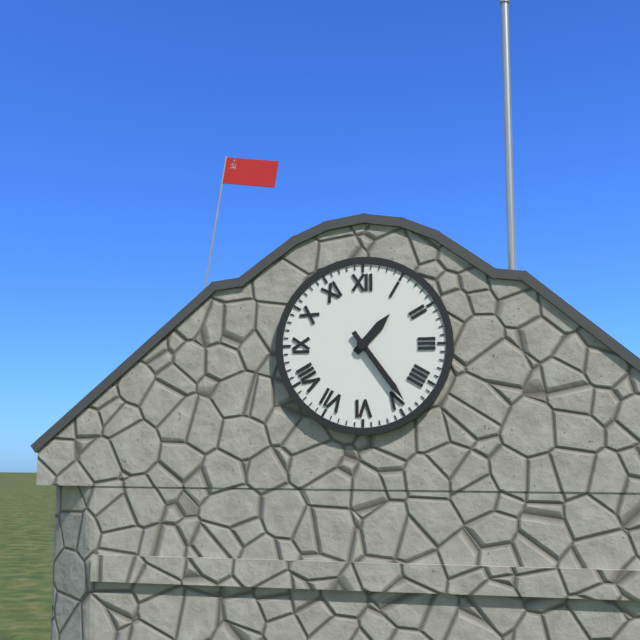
1:24
